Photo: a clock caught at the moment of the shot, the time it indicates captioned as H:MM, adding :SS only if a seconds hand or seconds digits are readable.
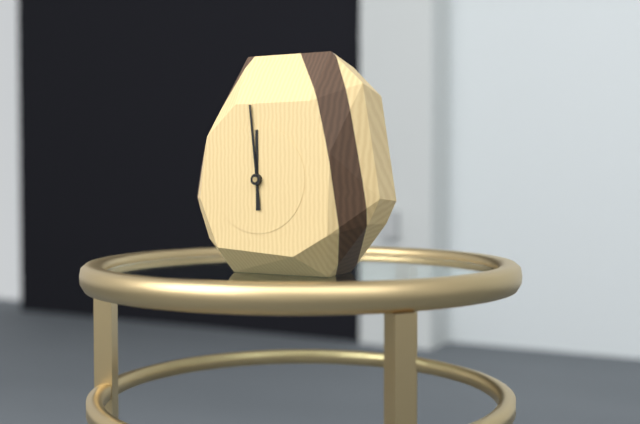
11:59
